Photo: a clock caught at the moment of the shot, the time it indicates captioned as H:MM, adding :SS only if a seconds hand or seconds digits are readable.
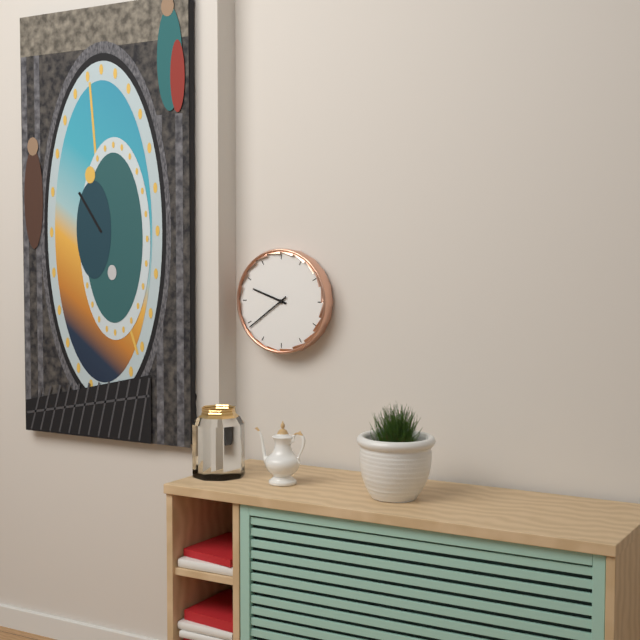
9:39
